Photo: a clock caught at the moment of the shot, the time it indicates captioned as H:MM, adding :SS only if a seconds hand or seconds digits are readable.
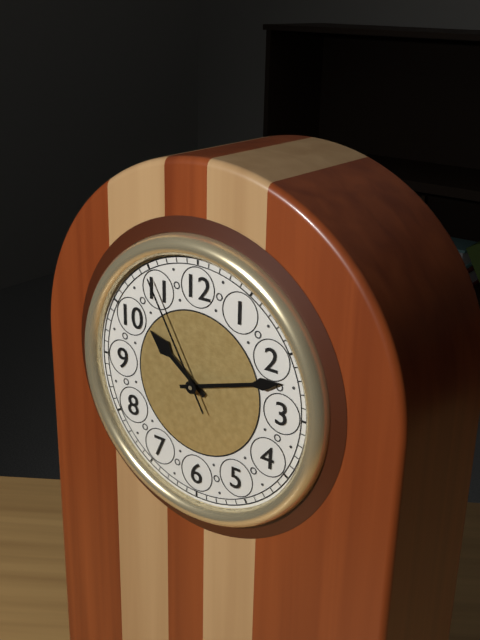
10:12:55
